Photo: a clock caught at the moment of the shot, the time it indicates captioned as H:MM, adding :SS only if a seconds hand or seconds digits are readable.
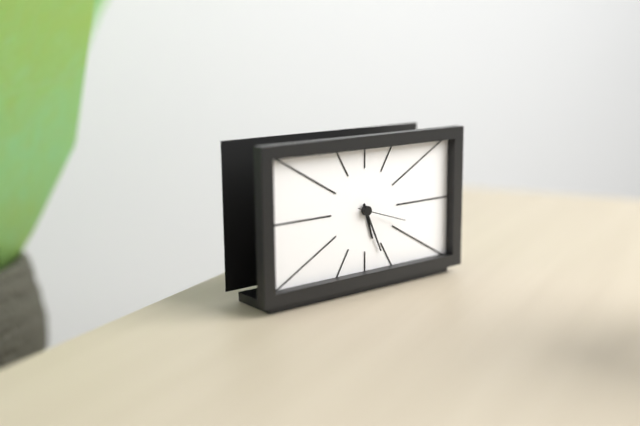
5:26
